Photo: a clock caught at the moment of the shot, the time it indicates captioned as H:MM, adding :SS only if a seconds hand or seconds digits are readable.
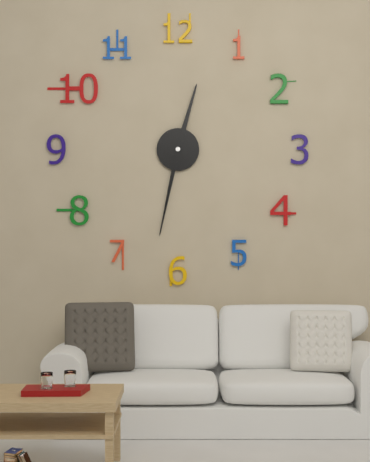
12:32
